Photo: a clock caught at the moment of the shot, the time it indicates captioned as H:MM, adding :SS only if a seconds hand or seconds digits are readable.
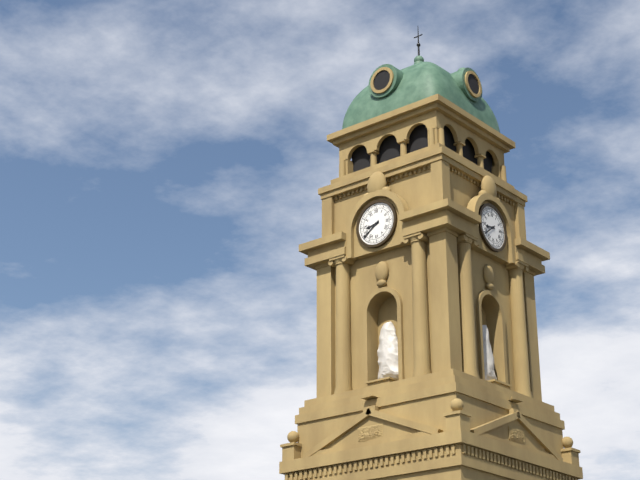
8:39
